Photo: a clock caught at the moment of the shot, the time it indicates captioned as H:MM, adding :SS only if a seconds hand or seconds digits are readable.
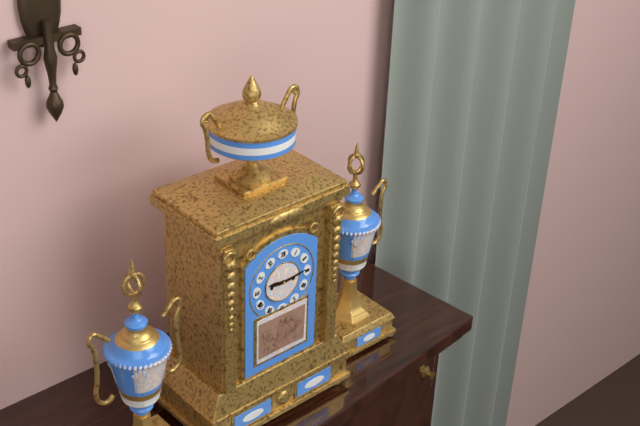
9:14
